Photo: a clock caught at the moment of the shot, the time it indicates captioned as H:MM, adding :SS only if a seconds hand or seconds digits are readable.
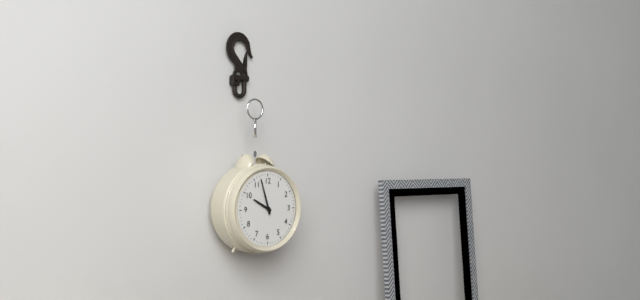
9:57
